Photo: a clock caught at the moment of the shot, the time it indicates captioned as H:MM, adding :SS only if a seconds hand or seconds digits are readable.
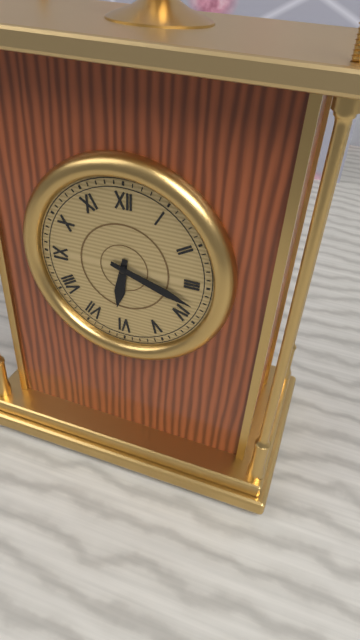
6:18
